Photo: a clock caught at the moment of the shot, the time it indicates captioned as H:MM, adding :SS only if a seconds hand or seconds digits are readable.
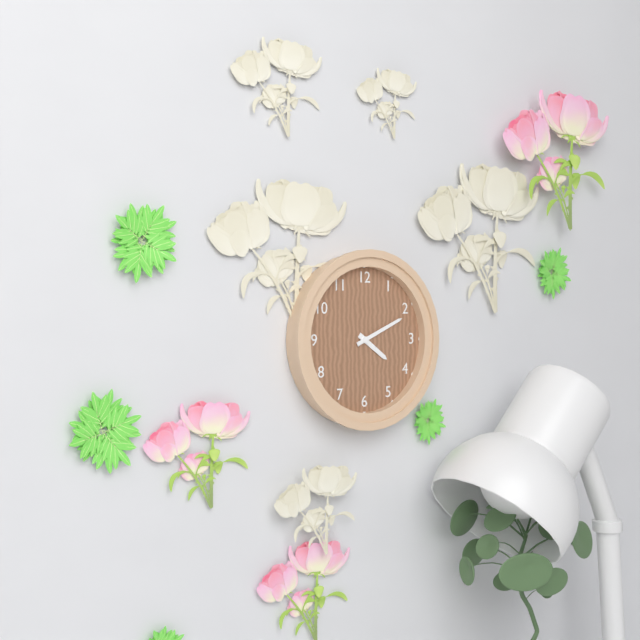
4:11
